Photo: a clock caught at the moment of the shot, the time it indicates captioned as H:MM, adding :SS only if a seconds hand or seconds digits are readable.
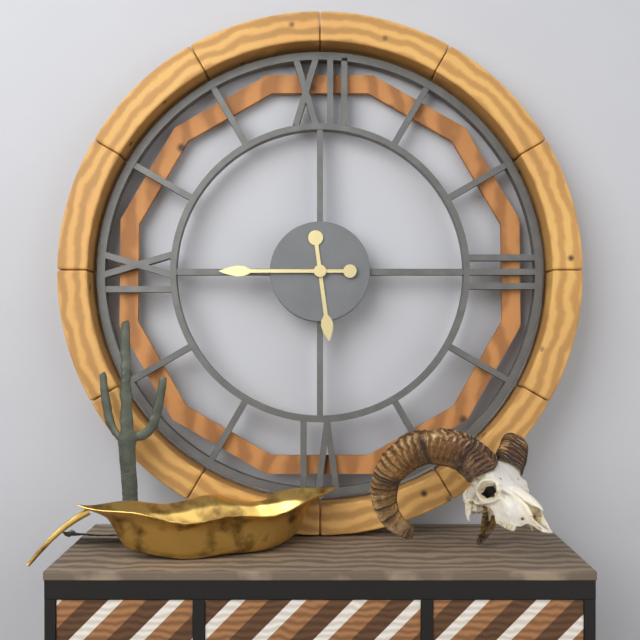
5:45
